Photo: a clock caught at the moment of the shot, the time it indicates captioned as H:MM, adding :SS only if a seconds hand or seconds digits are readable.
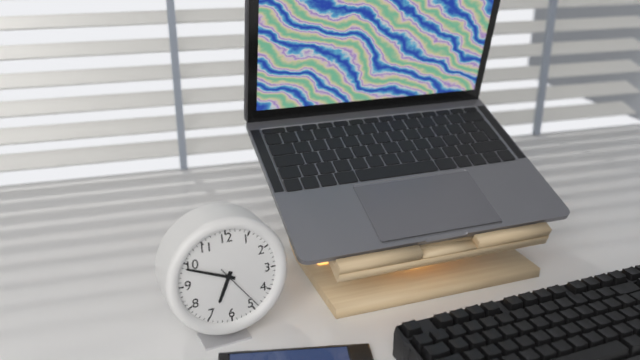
6:49
